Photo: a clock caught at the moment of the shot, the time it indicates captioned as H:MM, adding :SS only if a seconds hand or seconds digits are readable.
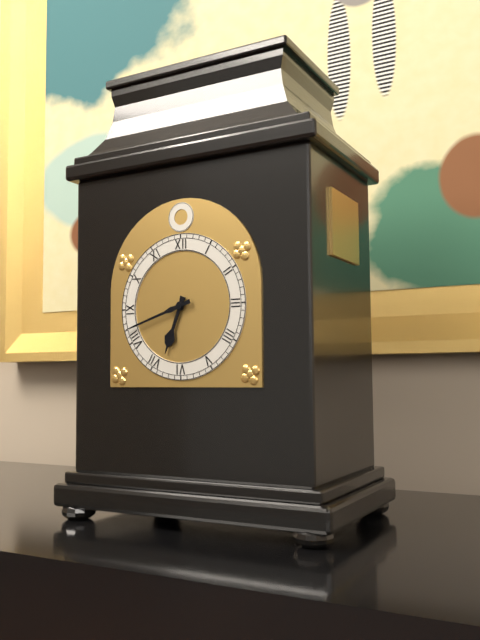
6:42
